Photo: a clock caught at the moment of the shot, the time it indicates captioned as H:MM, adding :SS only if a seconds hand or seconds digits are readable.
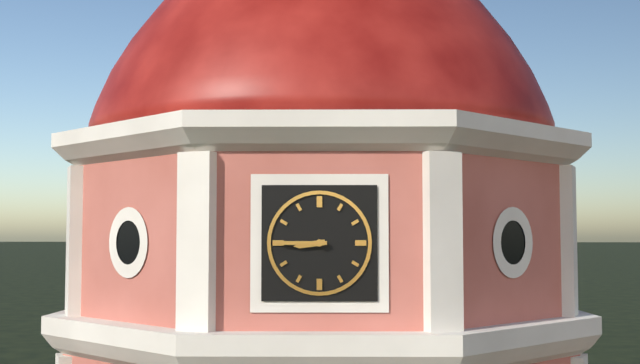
8:45
